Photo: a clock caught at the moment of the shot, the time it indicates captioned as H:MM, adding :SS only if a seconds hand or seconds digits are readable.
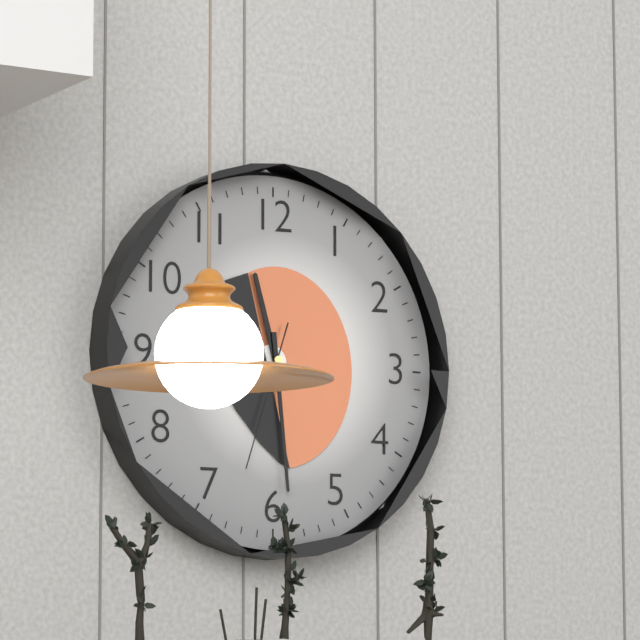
11:29:33
